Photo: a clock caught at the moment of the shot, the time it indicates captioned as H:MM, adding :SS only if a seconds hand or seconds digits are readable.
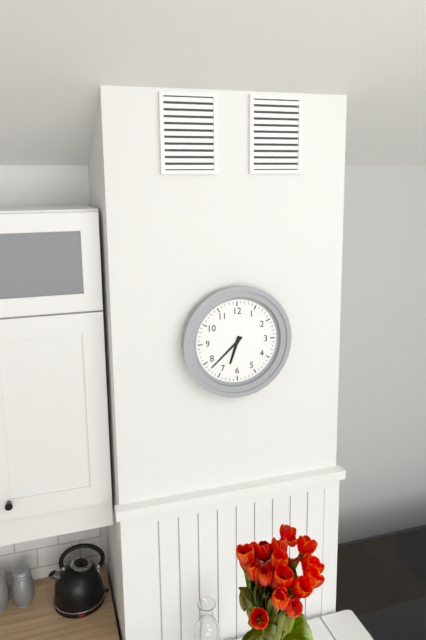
6:38
